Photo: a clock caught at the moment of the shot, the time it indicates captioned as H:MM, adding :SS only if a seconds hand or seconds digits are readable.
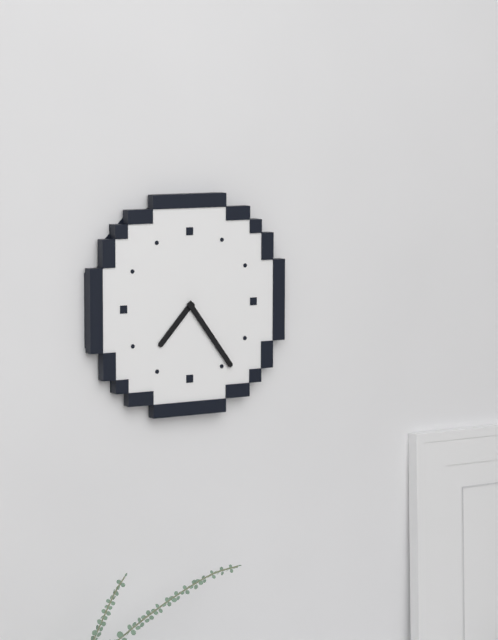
7:24
